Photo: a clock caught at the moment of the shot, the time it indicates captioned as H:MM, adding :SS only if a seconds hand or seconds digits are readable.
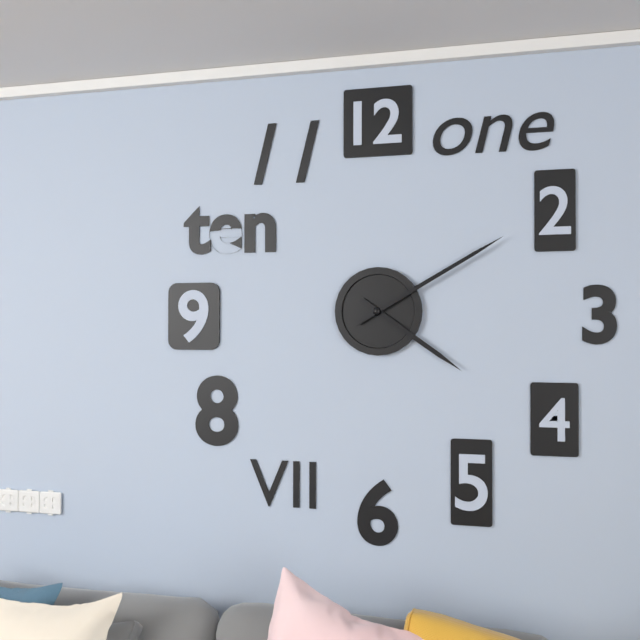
4:10
